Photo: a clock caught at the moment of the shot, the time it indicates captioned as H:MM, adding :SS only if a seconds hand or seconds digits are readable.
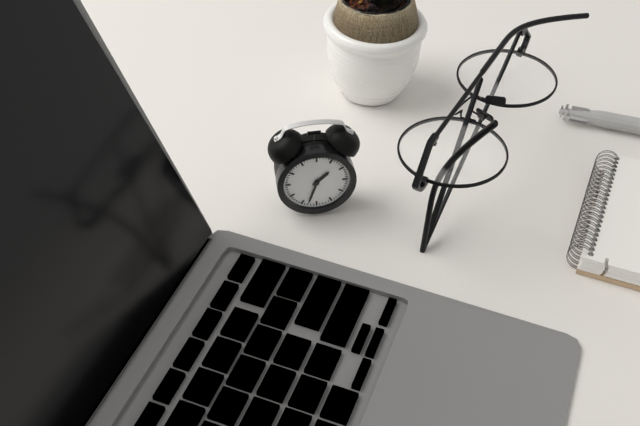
1:33
